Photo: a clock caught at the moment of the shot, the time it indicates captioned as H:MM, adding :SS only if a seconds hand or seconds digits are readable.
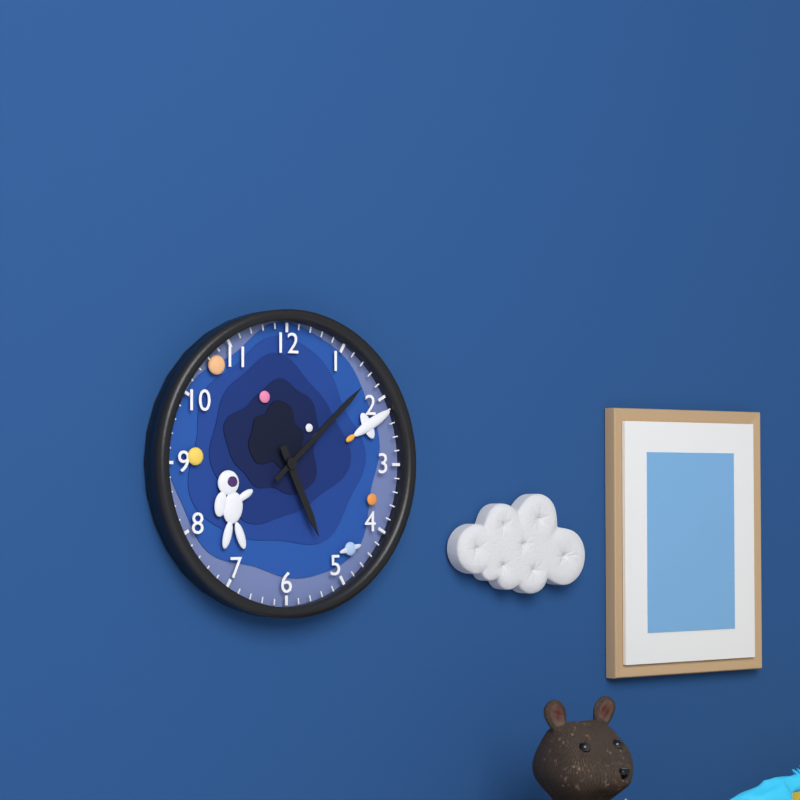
5:08
